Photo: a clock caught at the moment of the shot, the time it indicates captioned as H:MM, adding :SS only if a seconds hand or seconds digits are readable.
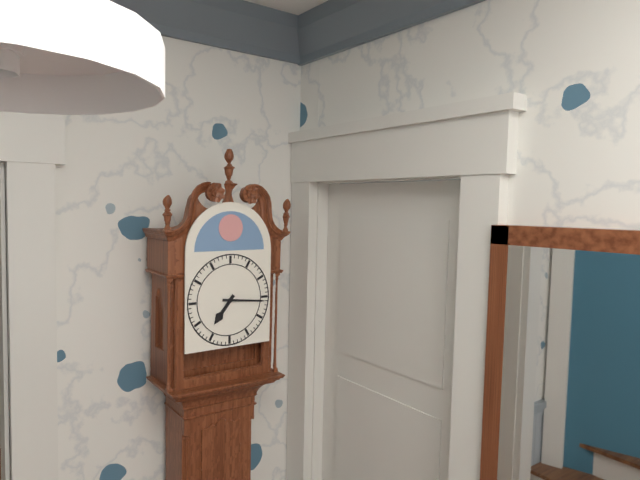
7:16
